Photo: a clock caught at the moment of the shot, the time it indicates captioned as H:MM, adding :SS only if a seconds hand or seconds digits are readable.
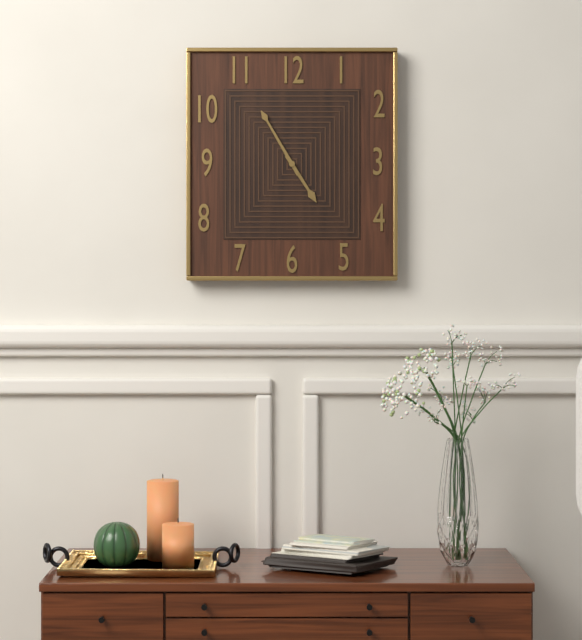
4:55
